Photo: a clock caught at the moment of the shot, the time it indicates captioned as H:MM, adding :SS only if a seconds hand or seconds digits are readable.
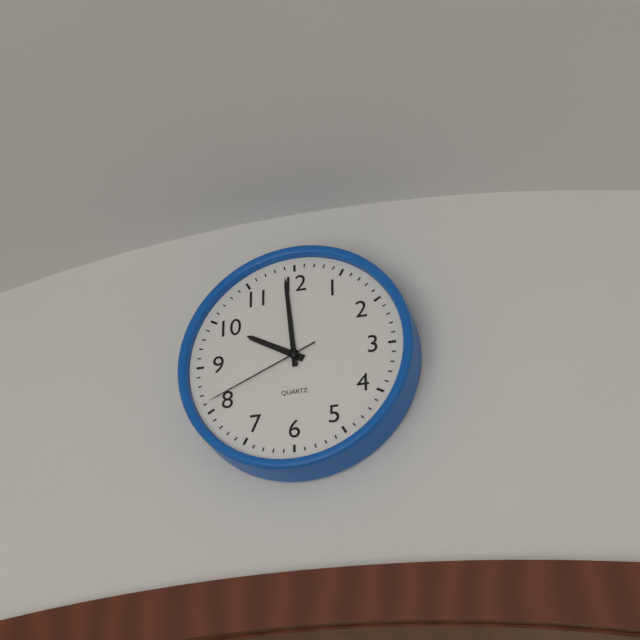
9:59:41
